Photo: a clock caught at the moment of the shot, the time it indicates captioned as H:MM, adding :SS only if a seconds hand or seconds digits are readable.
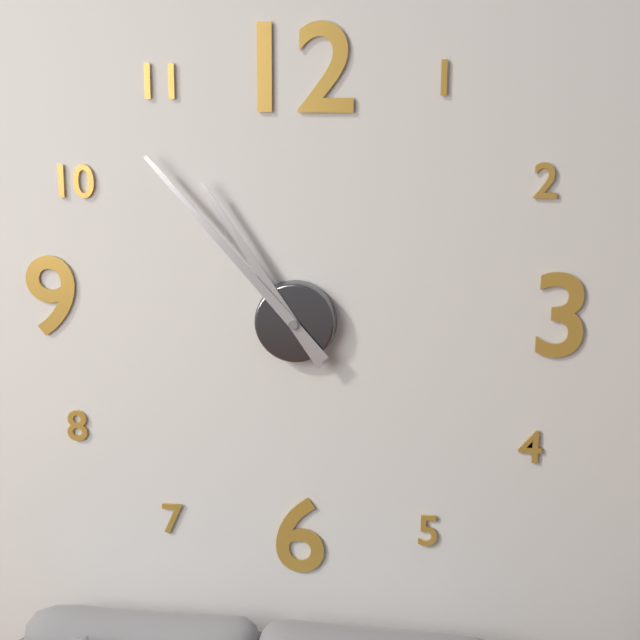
10:53
